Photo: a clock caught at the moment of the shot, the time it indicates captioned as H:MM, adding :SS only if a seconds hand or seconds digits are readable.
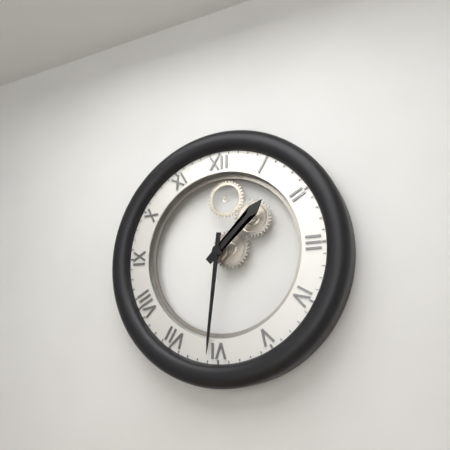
1:31
